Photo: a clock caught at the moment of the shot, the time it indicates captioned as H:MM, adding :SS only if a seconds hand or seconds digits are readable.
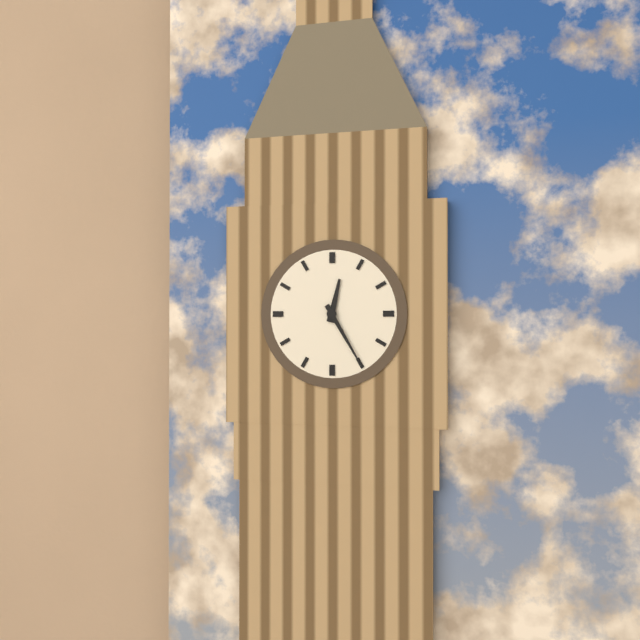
12:25
